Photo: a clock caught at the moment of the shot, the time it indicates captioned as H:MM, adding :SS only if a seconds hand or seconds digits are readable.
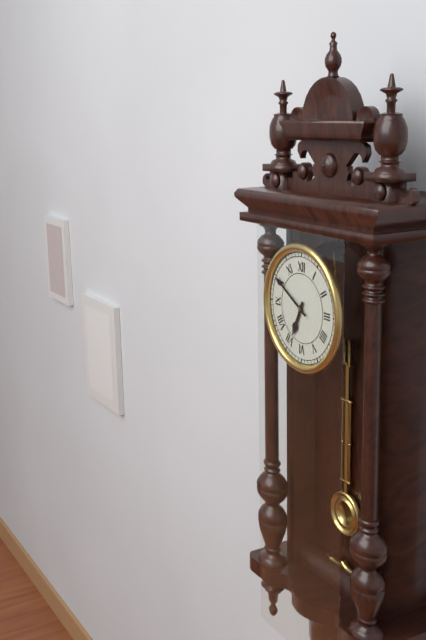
6:50
